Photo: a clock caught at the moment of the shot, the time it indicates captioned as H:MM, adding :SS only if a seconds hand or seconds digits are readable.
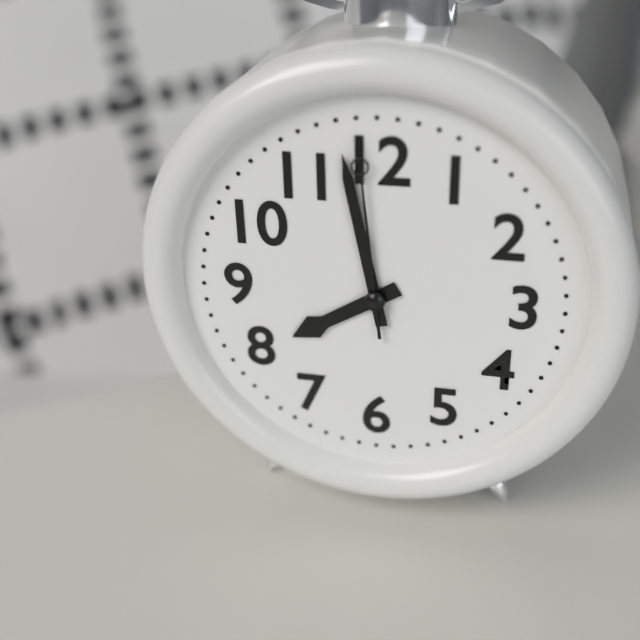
7:58:59
